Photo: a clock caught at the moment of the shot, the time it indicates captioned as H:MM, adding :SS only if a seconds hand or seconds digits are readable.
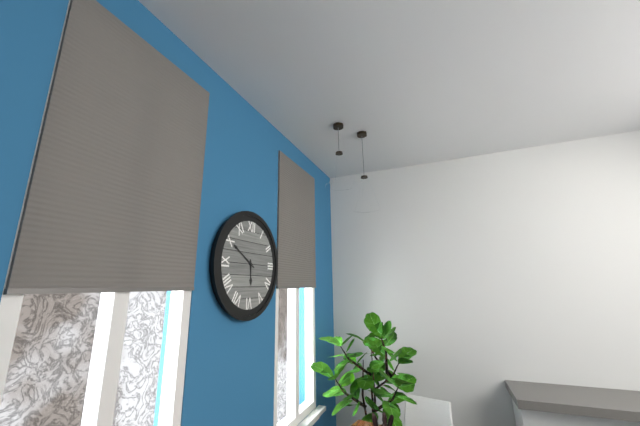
5:50
